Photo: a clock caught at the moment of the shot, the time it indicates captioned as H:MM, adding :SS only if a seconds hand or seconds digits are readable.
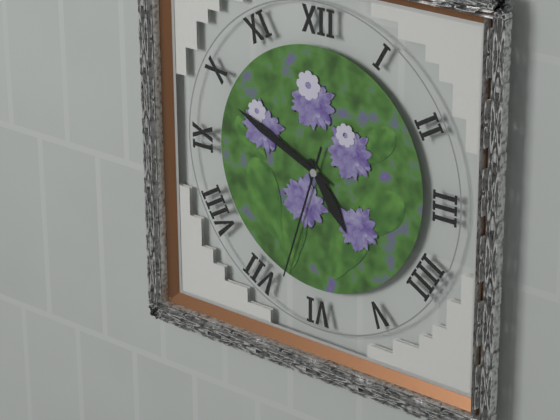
4:49:33
